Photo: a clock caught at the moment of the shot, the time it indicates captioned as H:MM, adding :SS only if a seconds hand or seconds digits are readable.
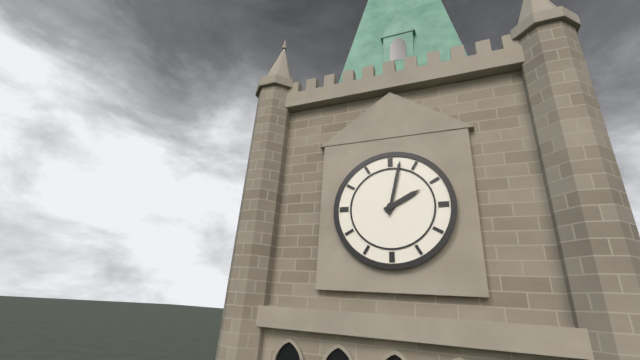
2:02
